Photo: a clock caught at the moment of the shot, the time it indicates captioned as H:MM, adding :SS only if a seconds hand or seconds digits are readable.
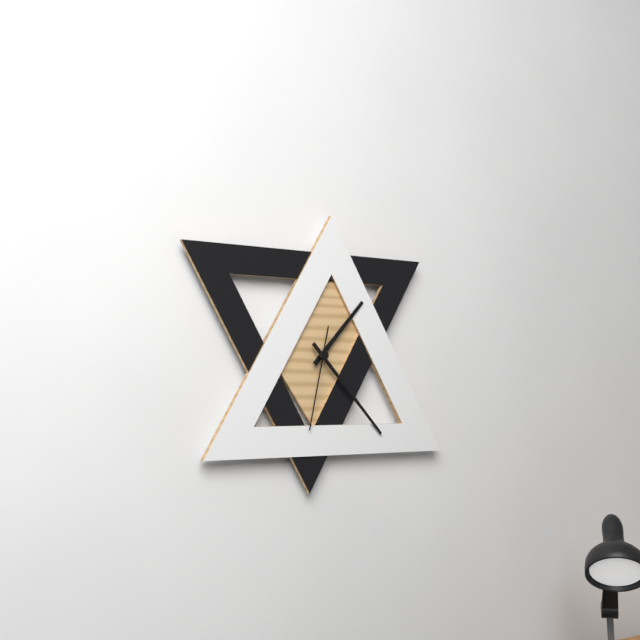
1:23:32
